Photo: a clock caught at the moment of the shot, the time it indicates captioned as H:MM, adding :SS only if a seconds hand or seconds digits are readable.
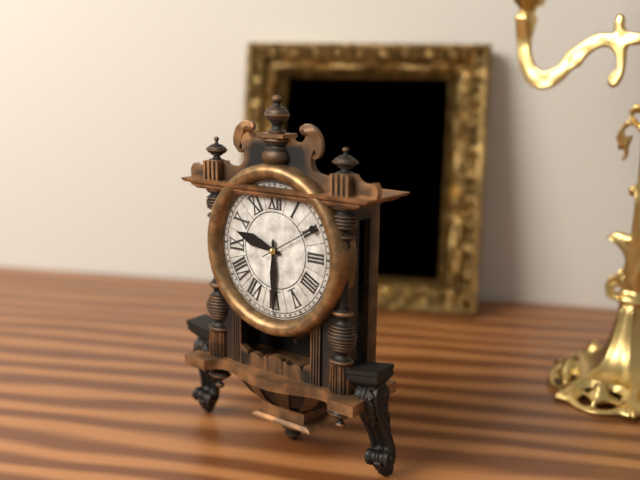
9:30:10
